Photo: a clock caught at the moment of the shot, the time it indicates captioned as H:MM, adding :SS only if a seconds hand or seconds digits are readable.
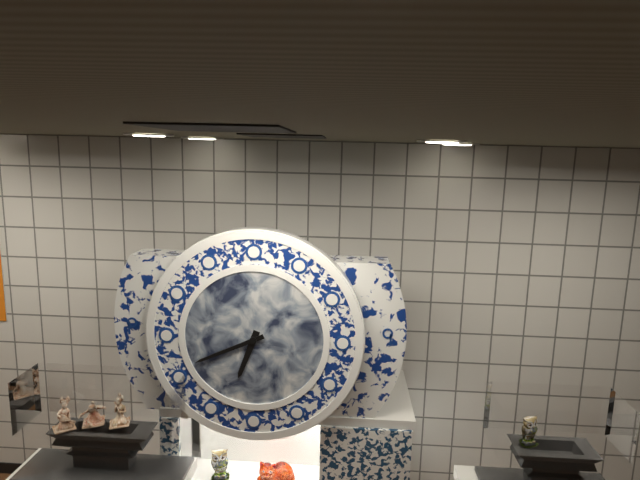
6:41
